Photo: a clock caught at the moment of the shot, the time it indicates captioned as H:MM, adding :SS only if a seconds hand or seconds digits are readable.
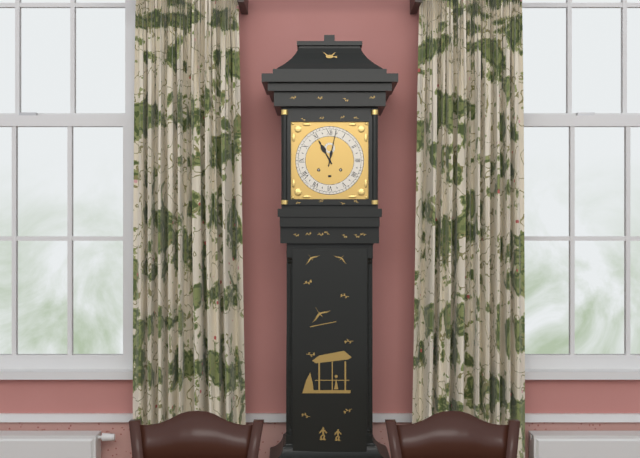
11:02
